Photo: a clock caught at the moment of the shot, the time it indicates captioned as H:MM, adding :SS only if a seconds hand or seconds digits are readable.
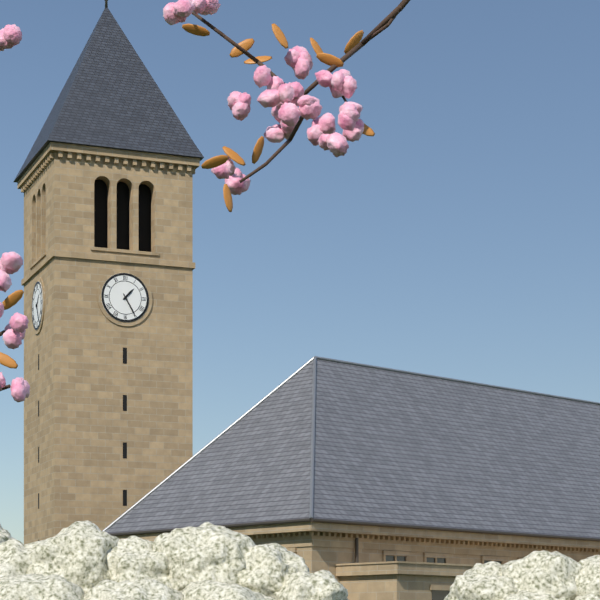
1:25
